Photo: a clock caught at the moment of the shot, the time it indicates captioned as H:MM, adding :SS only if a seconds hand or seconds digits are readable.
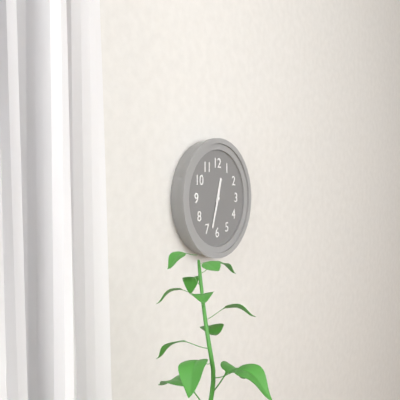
12:33
